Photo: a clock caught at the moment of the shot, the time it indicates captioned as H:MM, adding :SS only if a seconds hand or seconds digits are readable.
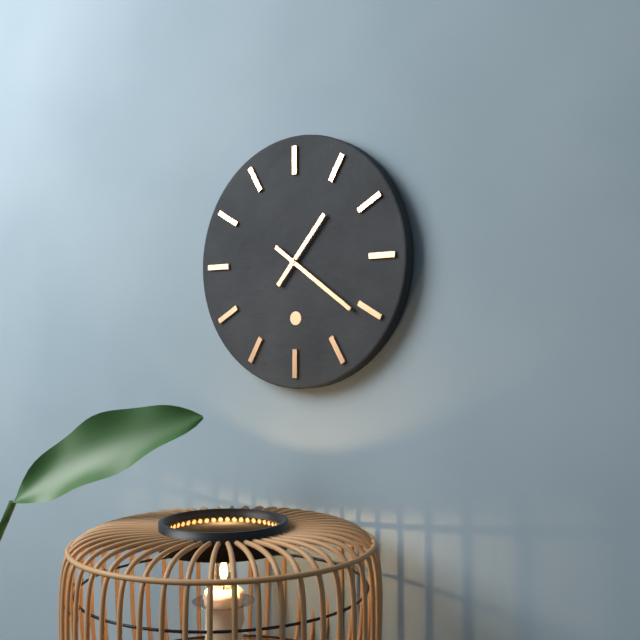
1:21
